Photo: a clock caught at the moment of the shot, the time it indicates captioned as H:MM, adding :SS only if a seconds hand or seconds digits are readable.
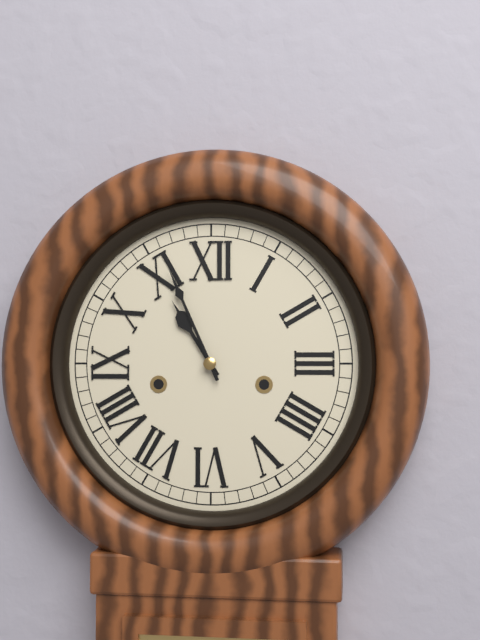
10:56
